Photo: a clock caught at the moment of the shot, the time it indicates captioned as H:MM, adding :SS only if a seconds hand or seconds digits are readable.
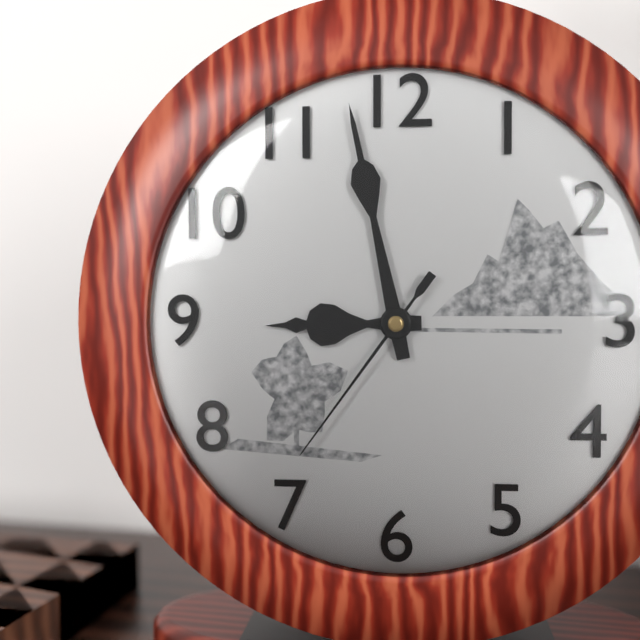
8:58:36
